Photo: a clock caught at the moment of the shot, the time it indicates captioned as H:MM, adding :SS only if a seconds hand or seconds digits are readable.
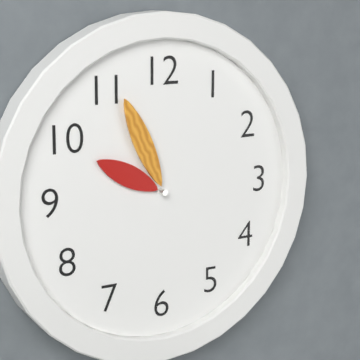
9:56
